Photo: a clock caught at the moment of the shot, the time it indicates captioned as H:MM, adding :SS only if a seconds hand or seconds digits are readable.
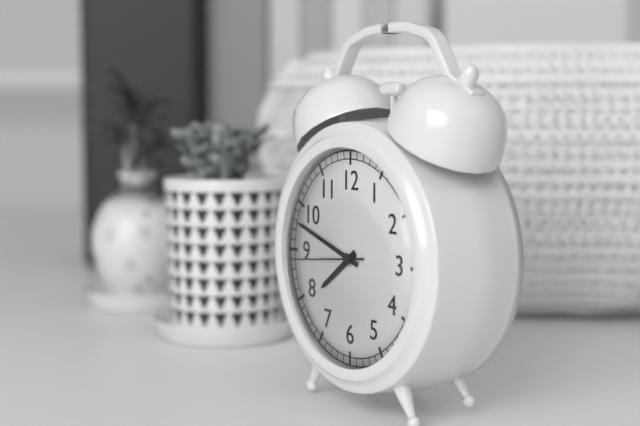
7:48:44
